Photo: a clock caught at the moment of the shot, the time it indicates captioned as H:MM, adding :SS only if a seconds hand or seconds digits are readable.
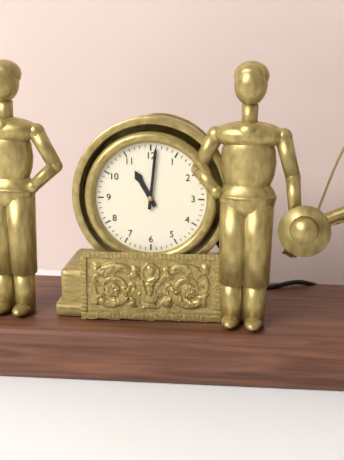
11:01
